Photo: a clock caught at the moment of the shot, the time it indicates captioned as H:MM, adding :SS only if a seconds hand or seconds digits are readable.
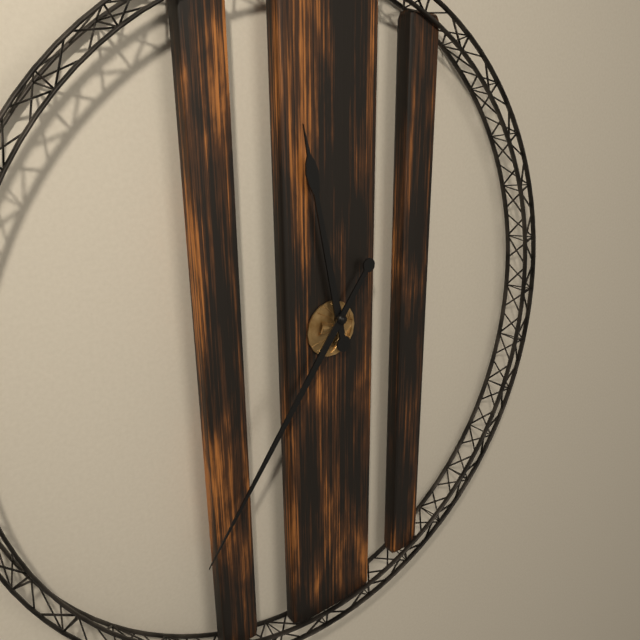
11:36
